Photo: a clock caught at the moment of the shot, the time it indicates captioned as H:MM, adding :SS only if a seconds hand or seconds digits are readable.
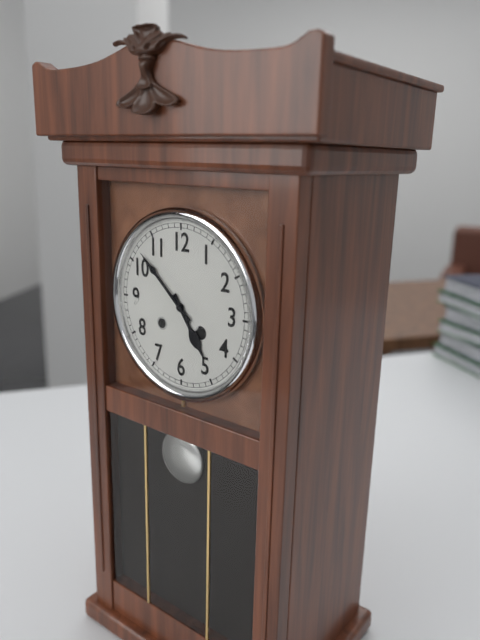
4:52
